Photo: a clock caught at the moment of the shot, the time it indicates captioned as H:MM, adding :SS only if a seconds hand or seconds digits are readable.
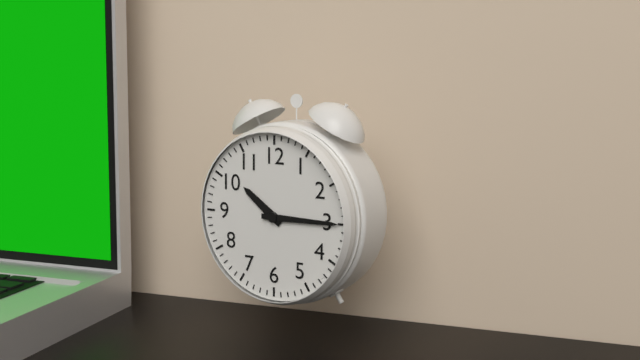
10:15
